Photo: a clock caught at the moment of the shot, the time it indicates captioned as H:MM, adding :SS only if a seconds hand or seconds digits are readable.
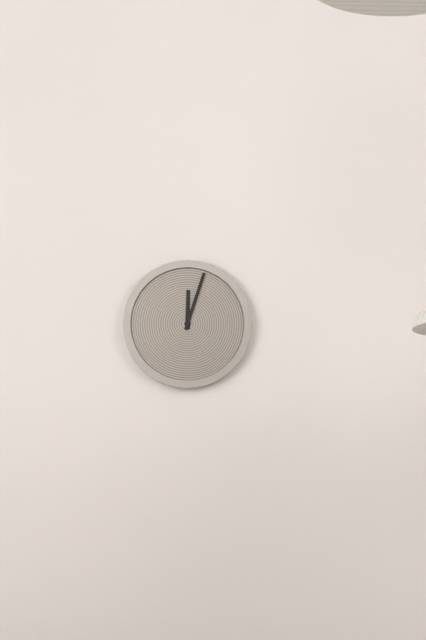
12:03
